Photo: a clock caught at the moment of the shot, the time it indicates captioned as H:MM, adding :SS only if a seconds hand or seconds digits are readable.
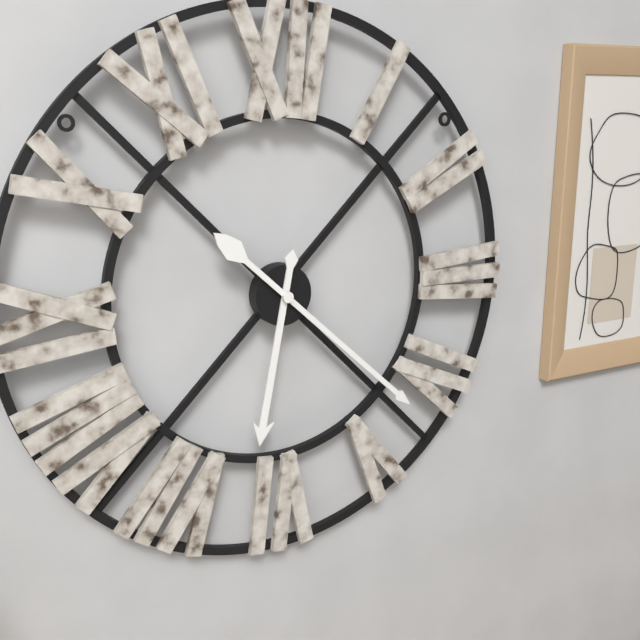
6:22
